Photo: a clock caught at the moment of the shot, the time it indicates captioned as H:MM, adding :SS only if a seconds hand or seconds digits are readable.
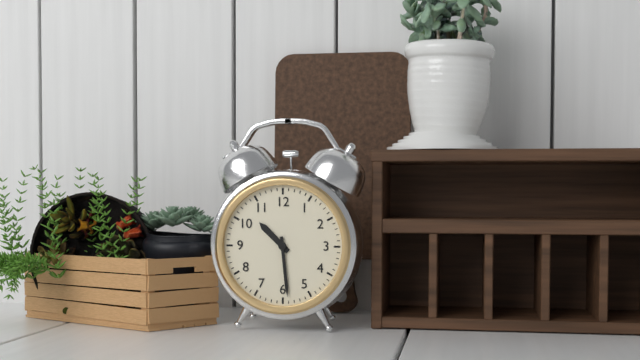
10:29
